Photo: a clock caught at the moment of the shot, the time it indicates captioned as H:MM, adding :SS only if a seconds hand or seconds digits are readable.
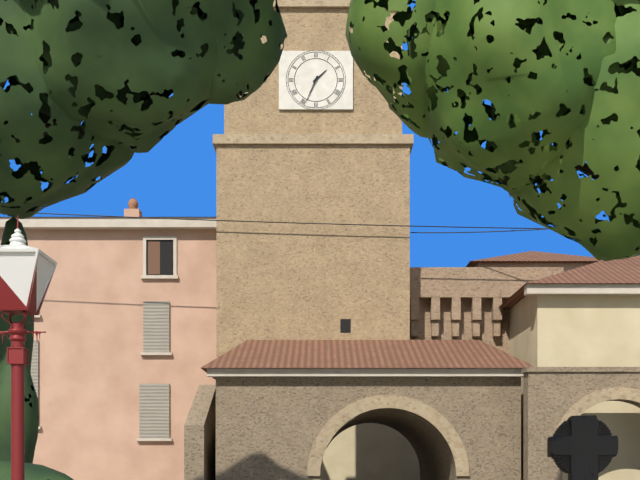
1:34
